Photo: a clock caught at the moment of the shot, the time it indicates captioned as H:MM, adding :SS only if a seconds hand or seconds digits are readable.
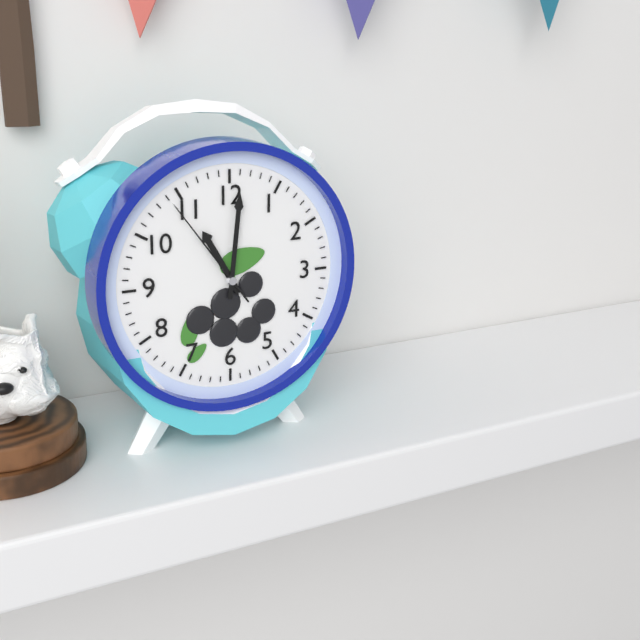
11:01:54
